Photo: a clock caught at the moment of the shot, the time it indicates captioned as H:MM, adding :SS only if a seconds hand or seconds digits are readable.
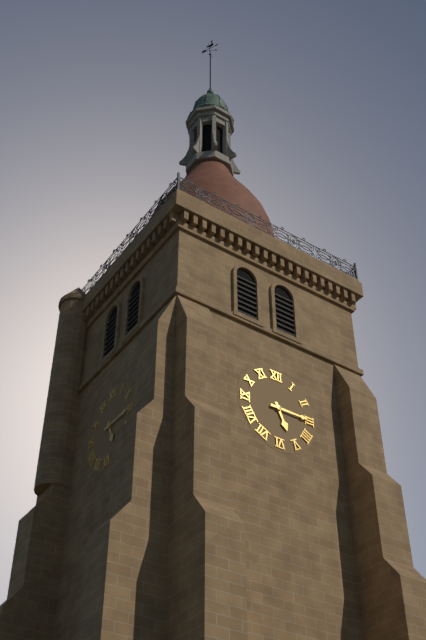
5:15
